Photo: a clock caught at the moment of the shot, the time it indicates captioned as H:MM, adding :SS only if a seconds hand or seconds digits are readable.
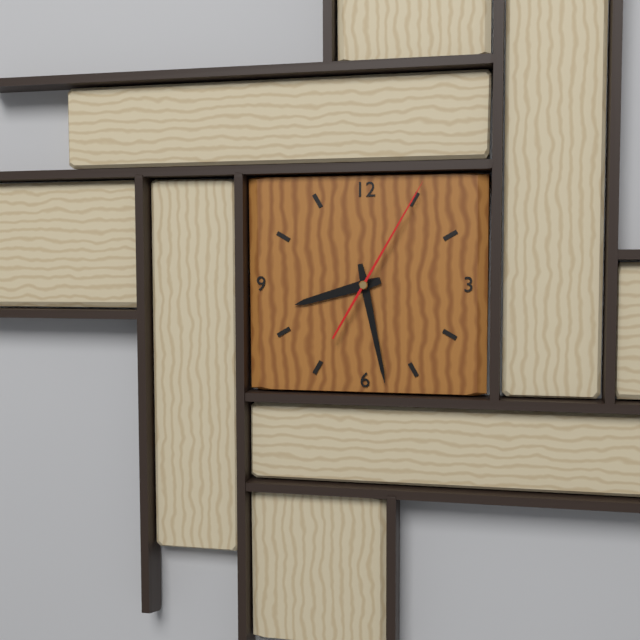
8:28:05
